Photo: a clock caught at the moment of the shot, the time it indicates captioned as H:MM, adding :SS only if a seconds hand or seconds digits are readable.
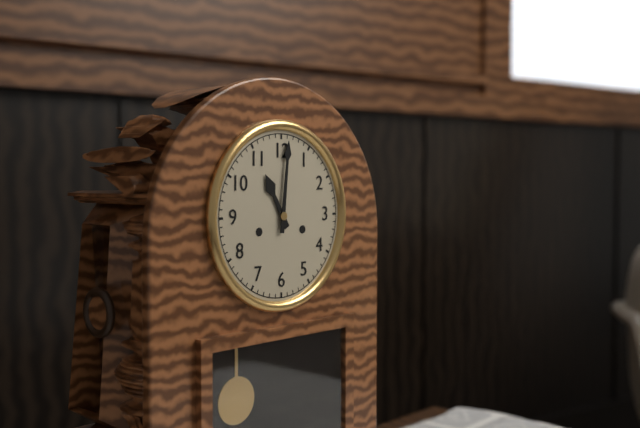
11:01
